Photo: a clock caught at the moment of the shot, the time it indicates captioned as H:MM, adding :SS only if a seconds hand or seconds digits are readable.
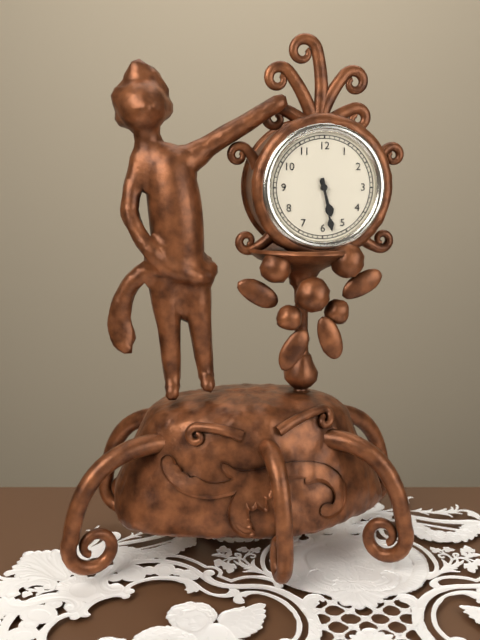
5:28
